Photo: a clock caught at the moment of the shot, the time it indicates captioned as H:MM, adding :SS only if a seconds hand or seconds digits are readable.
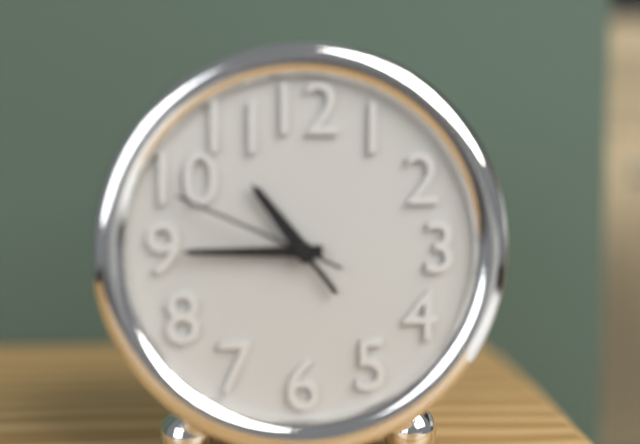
10:45:49
